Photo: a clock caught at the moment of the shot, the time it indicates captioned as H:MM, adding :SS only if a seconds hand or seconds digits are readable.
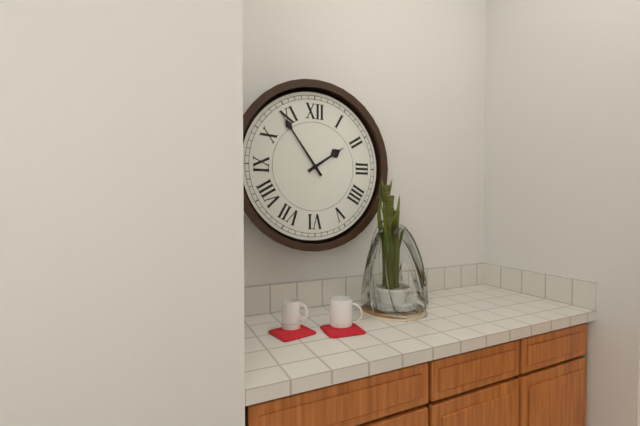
1:54
